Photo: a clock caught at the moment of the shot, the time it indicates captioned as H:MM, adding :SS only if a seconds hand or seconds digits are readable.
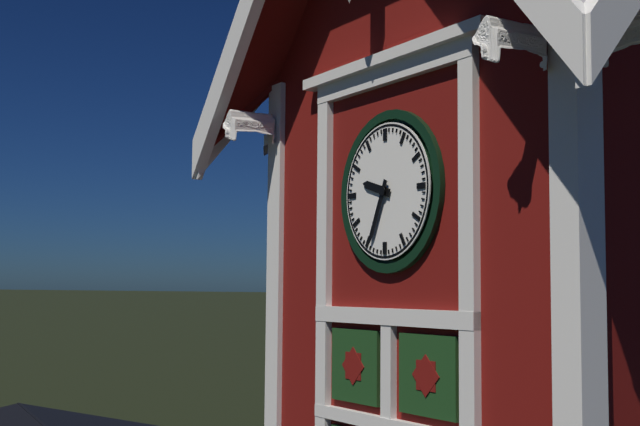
9:34
